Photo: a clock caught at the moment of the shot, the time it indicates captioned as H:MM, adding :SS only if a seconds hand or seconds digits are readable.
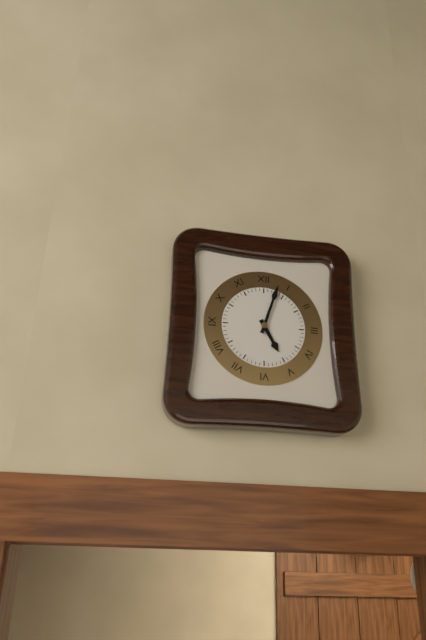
5:03
